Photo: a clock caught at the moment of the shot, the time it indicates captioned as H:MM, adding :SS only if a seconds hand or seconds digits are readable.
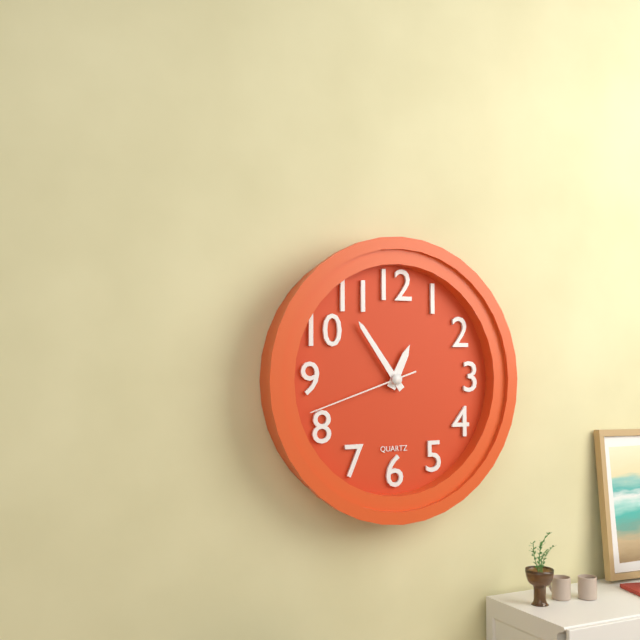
12:54:42
